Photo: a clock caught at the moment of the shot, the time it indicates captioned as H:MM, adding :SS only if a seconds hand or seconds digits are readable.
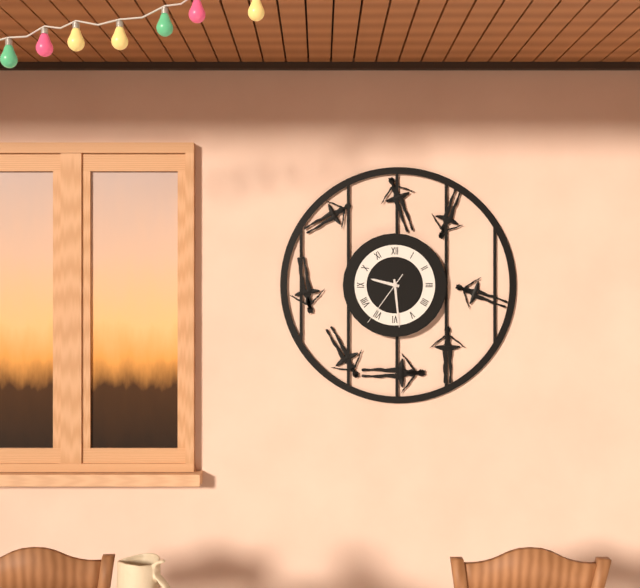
9:29:36
